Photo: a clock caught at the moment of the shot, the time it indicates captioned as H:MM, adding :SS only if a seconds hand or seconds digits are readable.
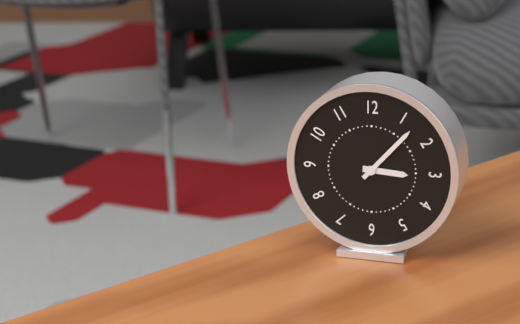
3:07
